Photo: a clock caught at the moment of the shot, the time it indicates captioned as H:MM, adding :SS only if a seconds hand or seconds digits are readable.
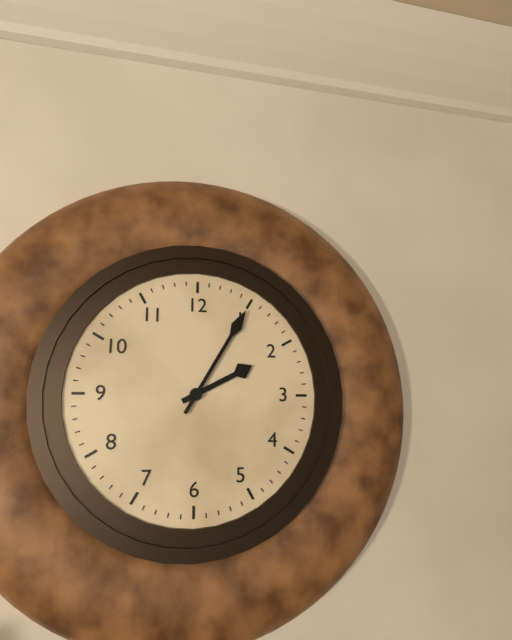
2:05
